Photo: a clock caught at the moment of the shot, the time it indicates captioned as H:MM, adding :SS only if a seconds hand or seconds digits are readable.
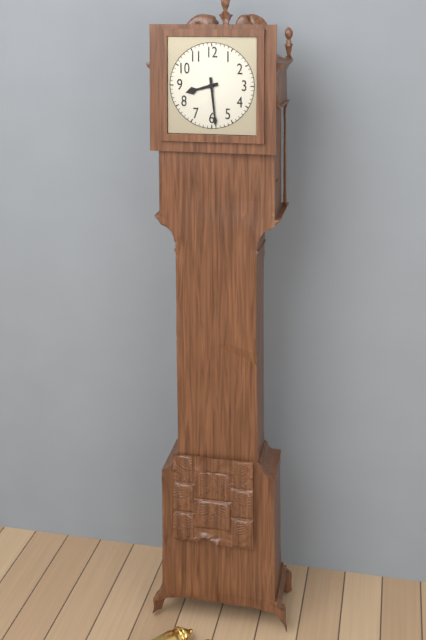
8:29
